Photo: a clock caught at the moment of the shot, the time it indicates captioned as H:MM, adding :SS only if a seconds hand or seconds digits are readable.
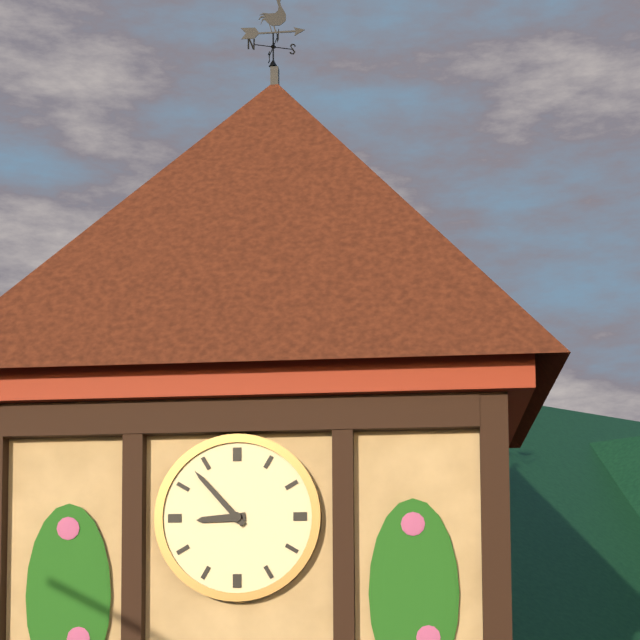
8:53
